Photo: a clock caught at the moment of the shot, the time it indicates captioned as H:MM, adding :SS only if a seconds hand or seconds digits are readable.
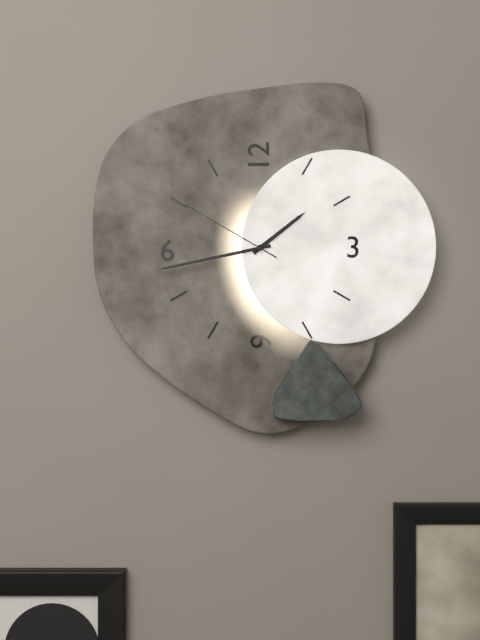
1:43:50
